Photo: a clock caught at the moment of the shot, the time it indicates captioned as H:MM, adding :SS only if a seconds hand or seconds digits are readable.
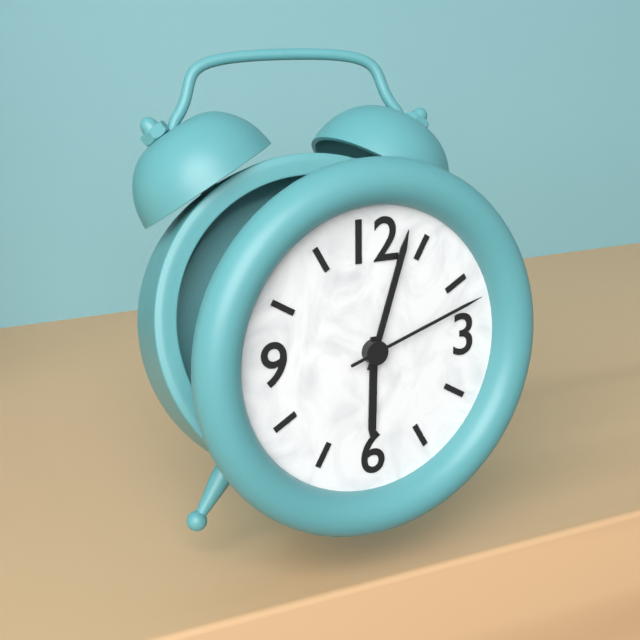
6:03:12
